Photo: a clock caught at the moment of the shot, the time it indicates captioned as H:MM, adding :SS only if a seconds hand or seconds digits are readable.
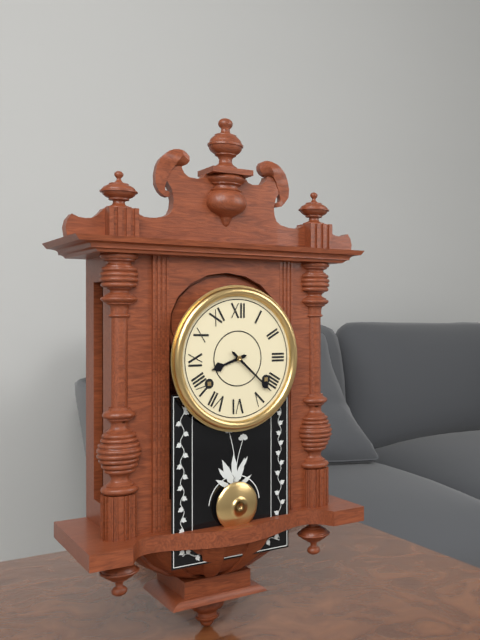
8:22
